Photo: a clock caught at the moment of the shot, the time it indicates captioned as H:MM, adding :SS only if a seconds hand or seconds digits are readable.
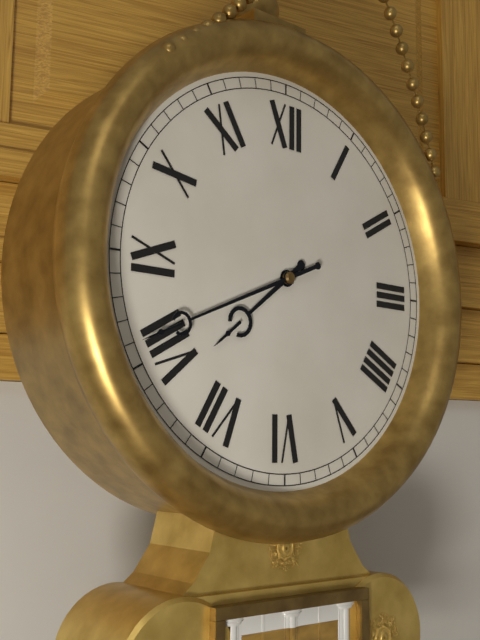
7:41
